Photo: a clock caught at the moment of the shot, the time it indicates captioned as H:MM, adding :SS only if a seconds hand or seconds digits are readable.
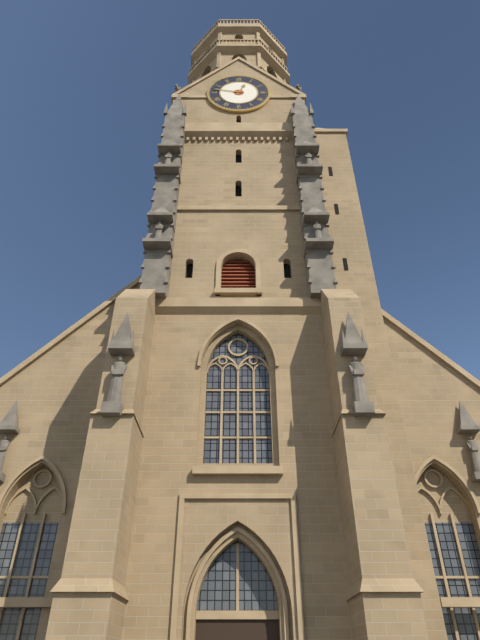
12:47
